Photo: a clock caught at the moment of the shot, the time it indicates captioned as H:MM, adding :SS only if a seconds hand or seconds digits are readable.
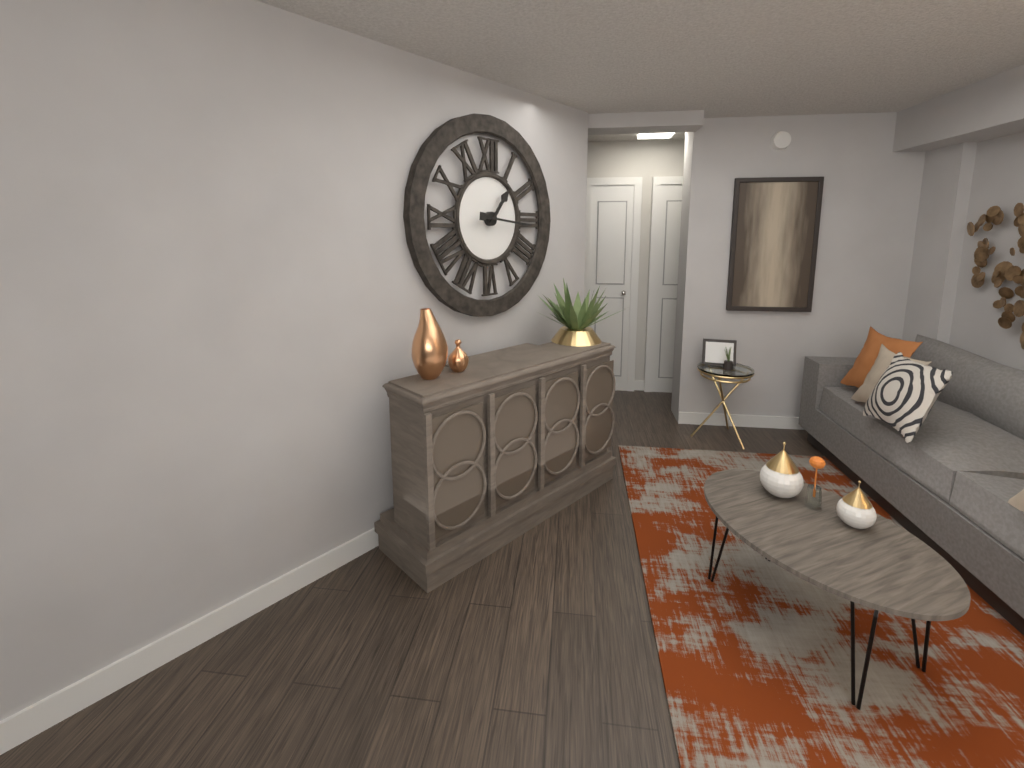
1:16
